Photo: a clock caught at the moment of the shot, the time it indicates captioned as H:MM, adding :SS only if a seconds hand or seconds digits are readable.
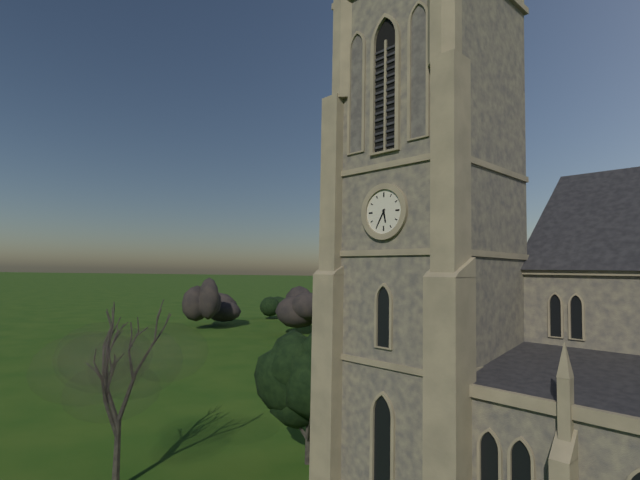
5:35
